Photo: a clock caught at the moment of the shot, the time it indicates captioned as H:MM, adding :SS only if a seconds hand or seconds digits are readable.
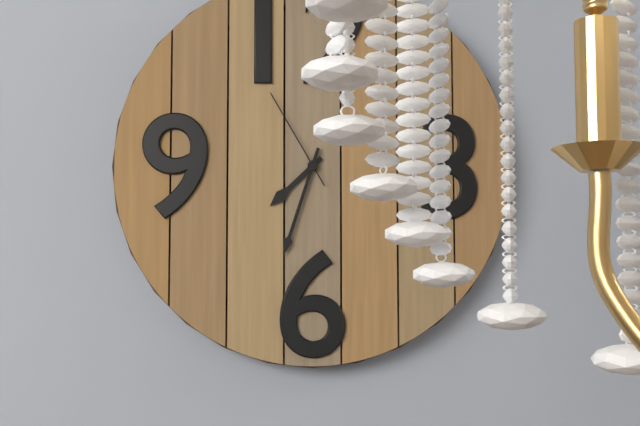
7:33:55
